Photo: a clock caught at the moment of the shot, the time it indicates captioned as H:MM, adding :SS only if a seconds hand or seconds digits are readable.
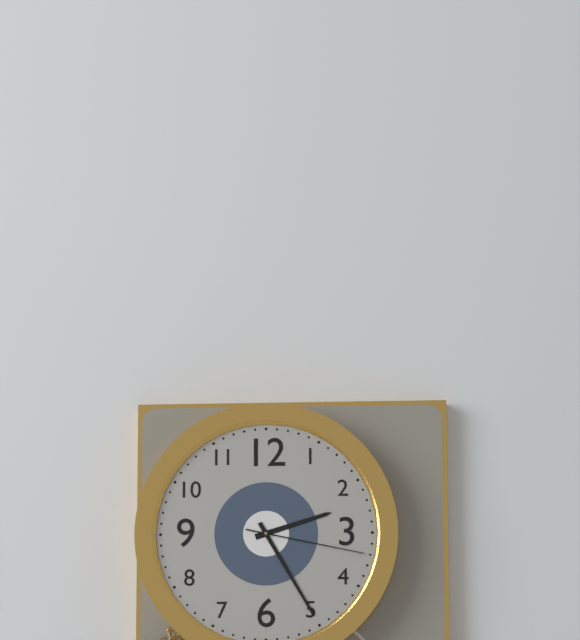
2:25:17
